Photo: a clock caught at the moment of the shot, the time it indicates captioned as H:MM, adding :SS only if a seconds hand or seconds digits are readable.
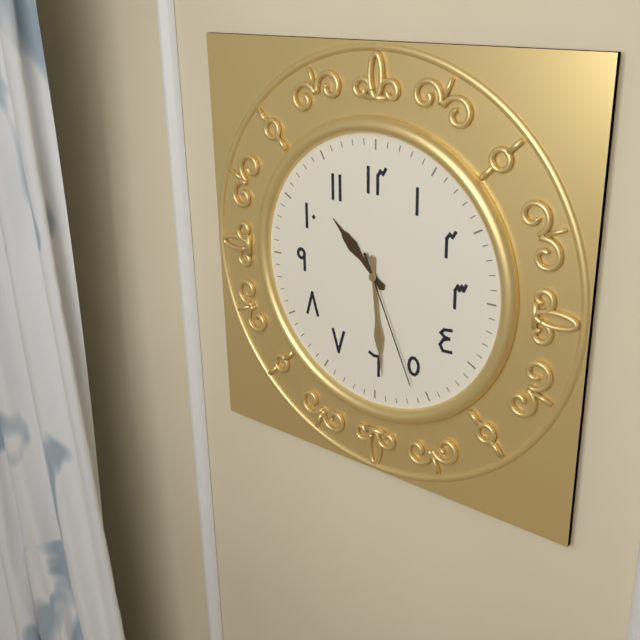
10:29:26
